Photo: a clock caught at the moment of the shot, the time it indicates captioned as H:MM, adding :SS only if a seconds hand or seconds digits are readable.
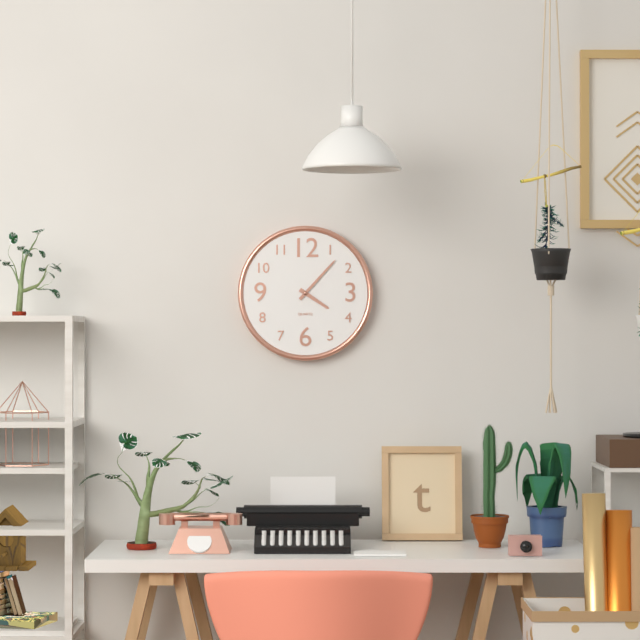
4:07
